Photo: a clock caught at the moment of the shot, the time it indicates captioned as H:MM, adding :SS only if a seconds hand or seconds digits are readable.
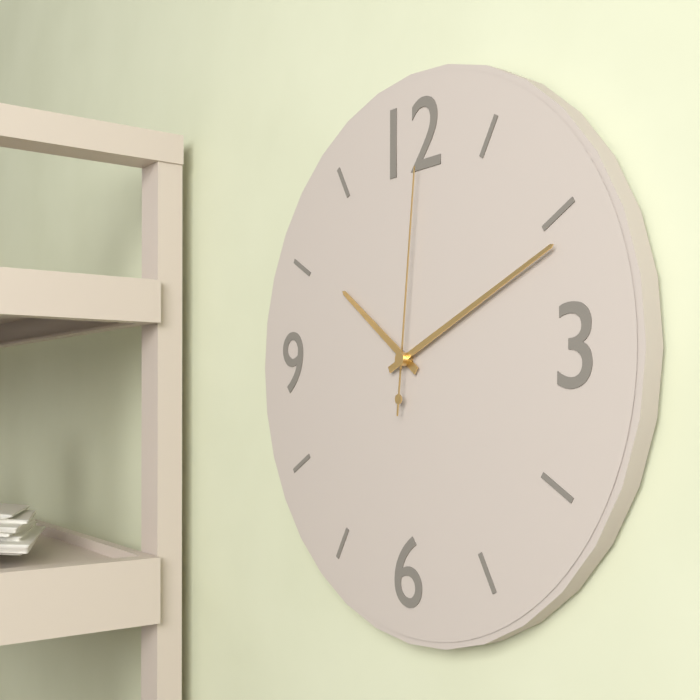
10:11:01
